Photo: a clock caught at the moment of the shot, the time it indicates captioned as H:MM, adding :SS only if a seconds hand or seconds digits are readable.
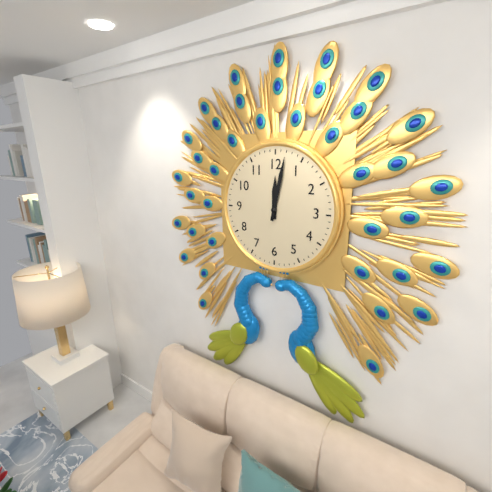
12:02
